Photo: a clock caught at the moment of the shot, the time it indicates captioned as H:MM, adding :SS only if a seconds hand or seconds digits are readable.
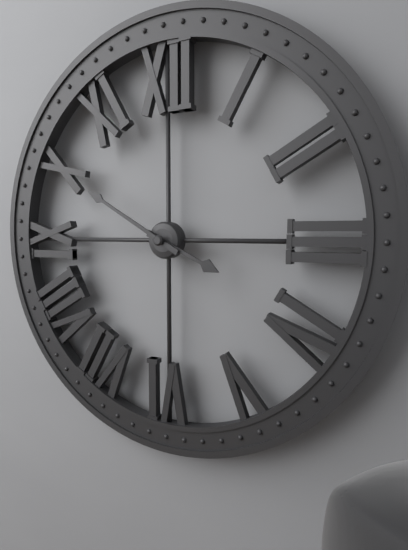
3:50
